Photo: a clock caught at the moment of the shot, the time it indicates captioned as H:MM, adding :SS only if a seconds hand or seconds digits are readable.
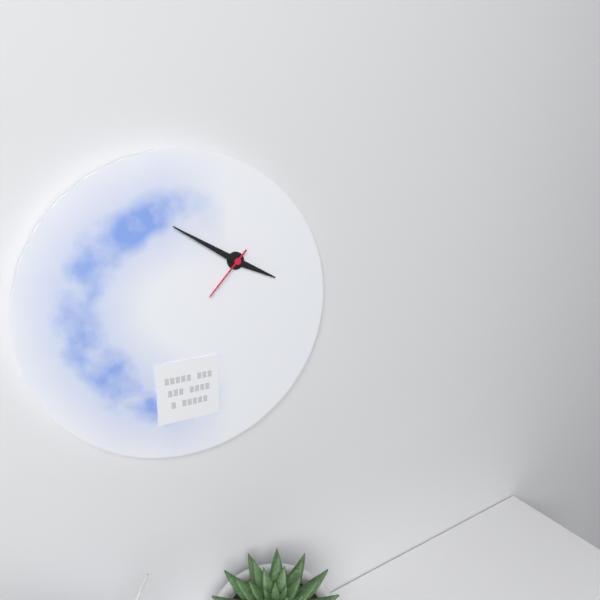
3:50:37
